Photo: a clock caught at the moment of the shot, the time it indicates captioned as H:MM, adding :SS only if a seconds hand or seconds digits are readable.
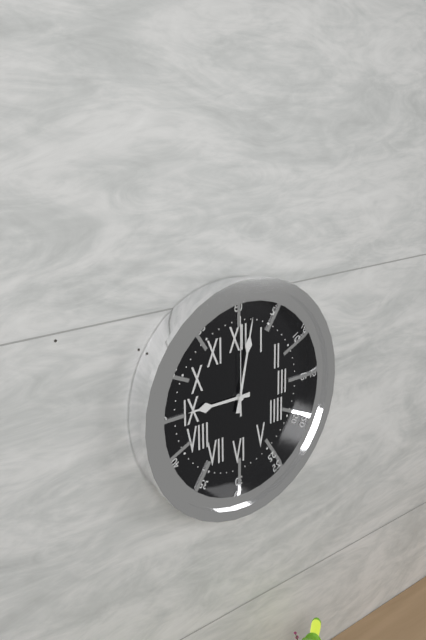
9:02:00
